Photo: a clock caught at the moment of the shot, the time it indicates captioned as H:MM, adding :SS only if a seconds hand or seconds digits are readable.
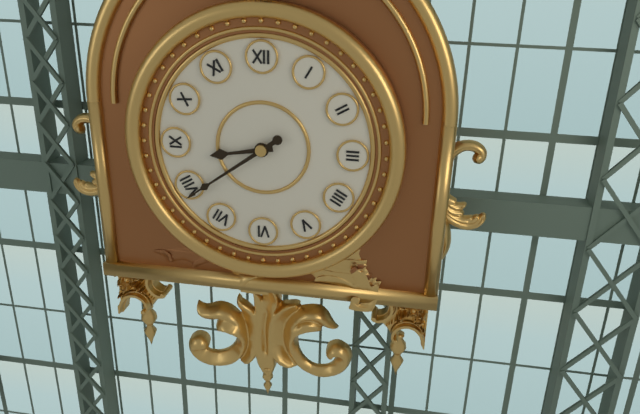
8:39
